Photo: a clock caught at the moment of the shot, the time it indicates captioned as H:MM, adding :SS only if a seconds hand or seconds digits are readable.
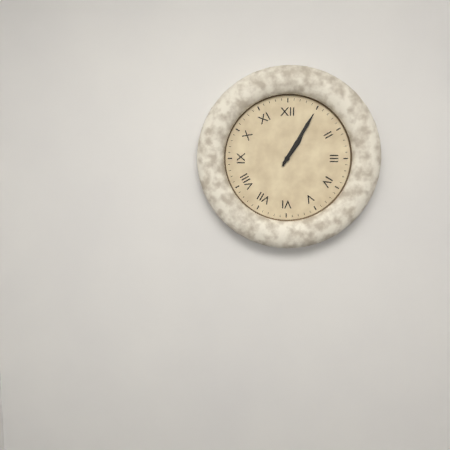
1:05
